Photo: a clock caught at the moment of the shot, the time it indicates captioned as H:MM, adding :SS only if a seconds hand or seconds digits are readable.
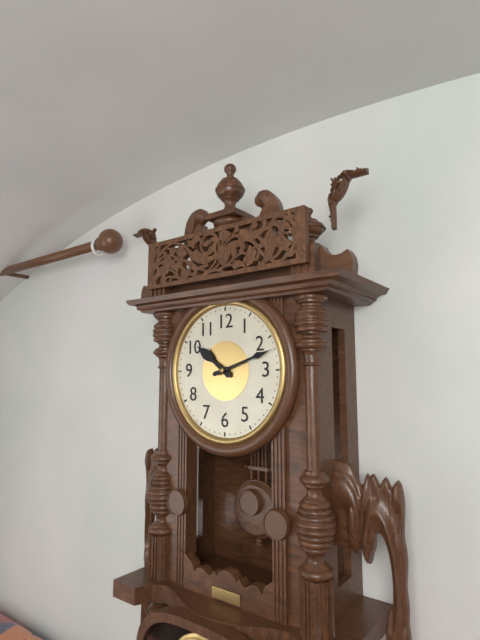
10:12
